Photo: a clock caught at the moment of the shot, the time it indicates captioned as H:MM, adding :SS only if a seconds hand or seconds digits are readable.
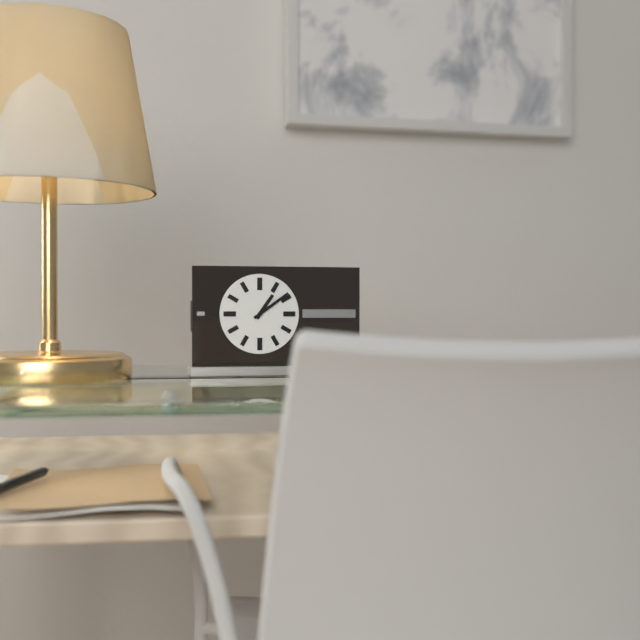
1:09
